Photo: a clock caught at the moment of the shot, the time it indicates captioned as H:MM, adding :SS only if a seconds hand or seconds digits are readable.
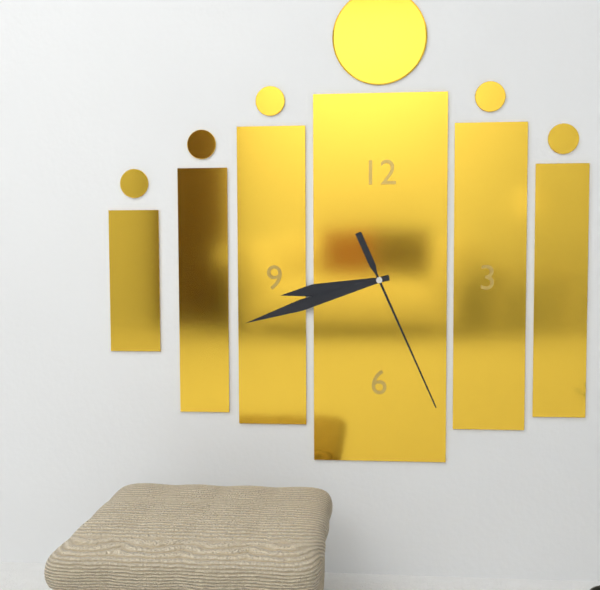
8:42:26
